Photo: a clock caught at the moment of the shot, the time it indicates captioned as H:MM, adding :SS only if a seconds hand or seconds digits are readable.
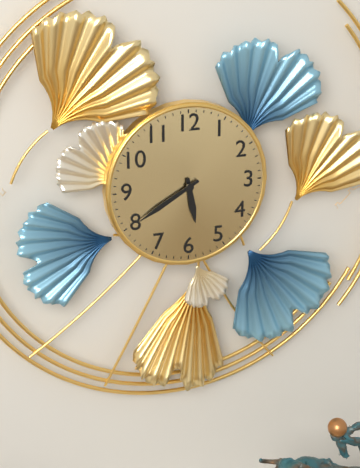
5:40
